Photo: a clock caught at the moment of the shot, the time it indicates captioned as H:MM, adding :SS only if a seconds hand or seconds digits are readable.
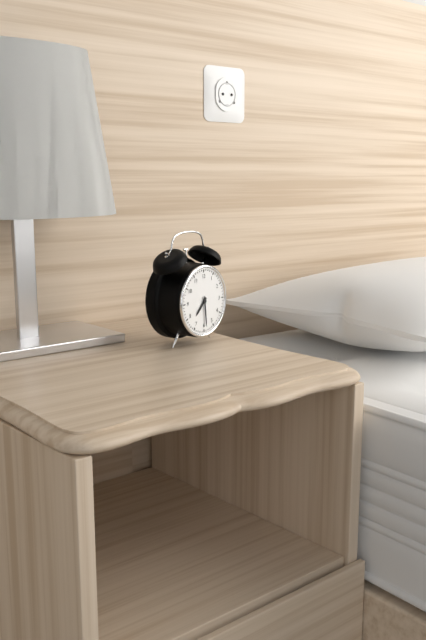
7:29
